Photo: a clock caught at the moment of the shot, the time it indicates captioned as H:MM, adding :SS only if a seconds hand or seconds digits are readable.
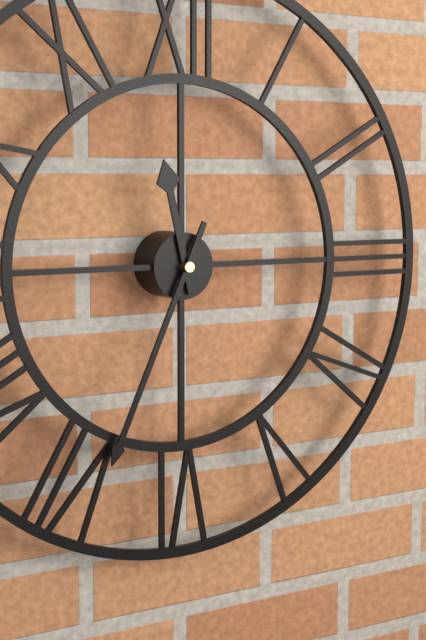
11:34
